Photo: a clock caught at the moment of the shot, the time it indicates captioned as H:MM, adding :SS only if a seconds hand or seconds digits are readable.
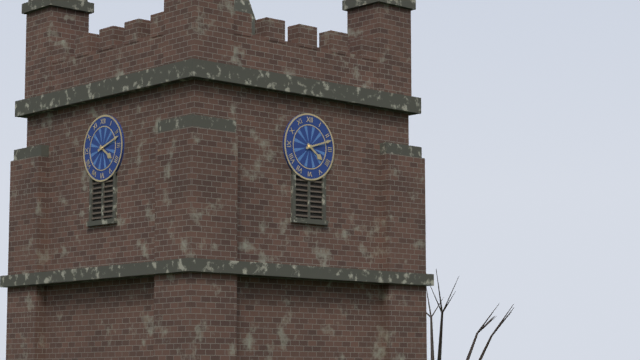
4:12
